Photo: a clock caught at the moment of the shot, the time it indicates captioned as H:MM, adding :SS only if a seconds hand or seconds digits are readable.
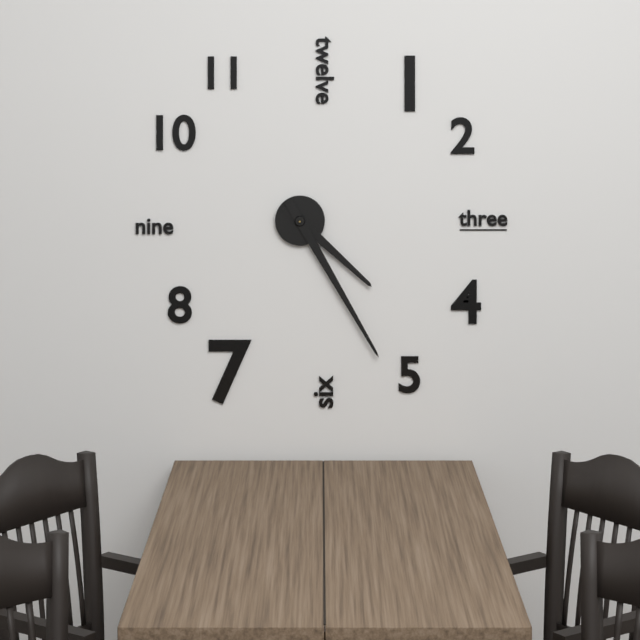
4:25
